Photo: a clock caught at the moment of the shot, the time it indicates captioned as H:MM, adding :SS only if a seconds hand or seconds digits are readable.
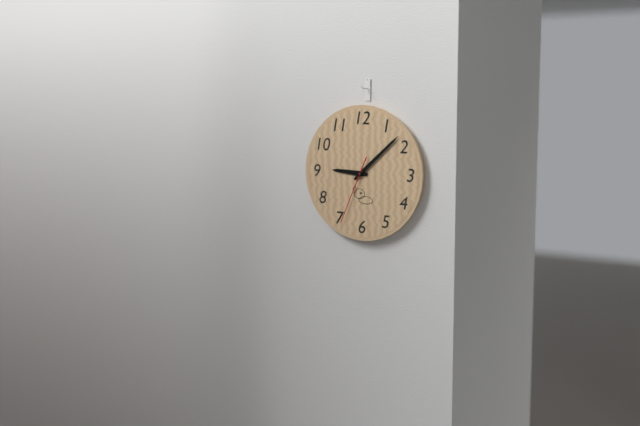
9:08:34
